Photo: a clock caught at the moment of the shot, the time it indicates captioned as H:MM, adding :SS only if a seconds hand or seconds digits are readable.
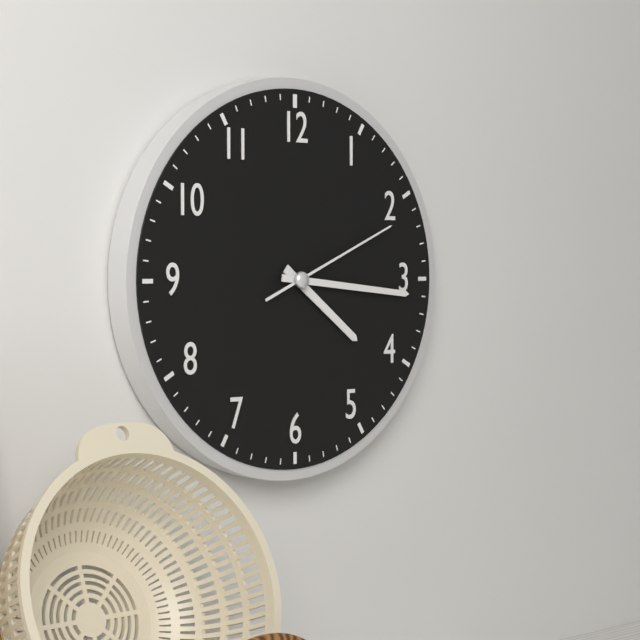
4:16:11
